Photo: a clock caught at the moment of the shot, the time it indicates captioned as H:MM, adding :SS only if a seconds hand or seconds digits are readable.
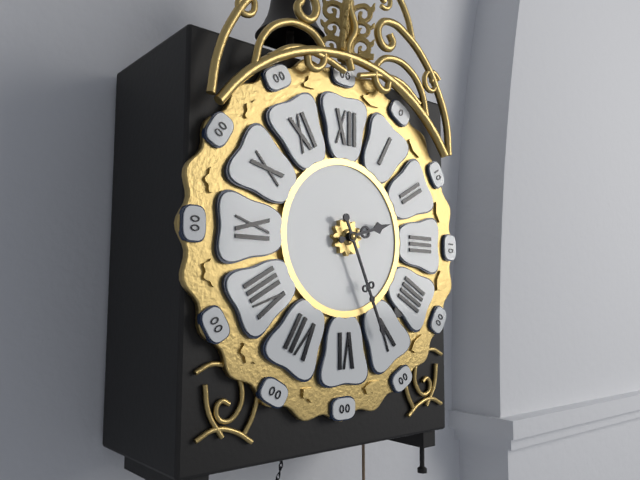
2:26
